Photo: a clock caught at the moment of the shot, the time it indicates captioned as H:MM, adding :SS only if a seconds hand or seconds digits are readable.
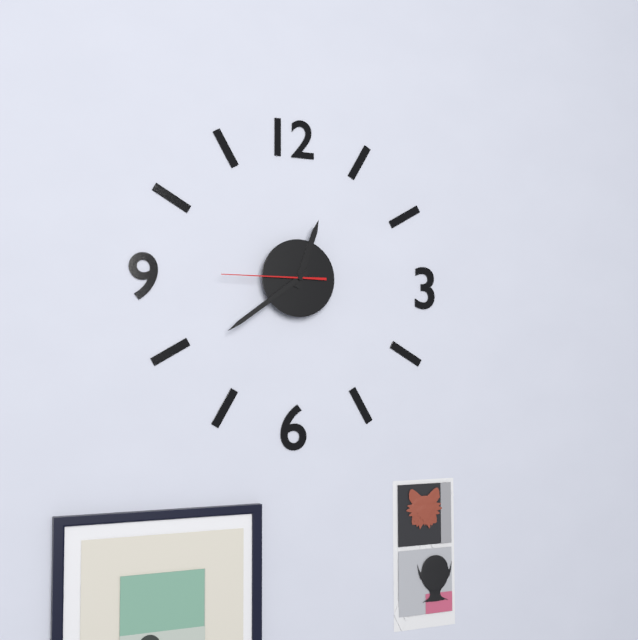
12:39:45
